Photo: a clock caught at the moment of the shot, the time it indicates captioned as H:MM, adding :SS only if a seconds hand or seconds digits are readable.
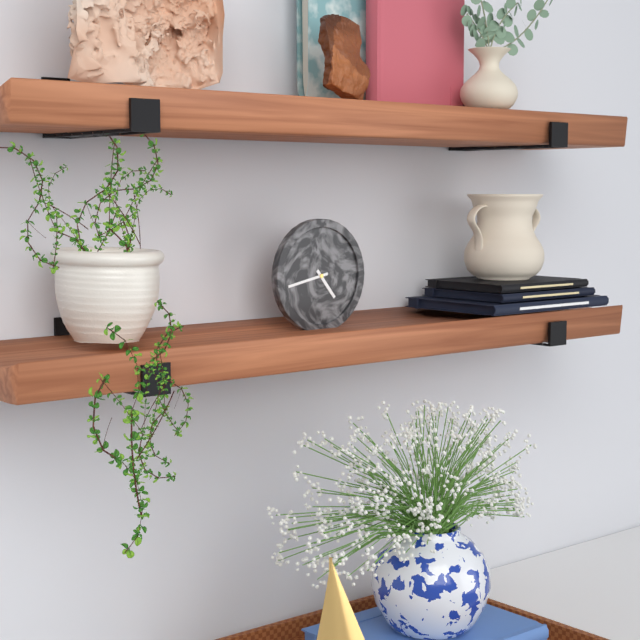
4:43
